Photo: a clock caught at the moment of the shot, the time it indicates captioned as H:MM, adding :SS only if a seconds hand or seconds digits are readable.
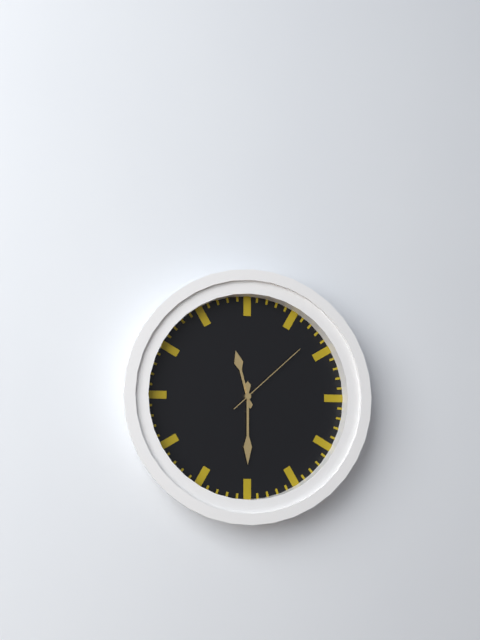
11:30:08
